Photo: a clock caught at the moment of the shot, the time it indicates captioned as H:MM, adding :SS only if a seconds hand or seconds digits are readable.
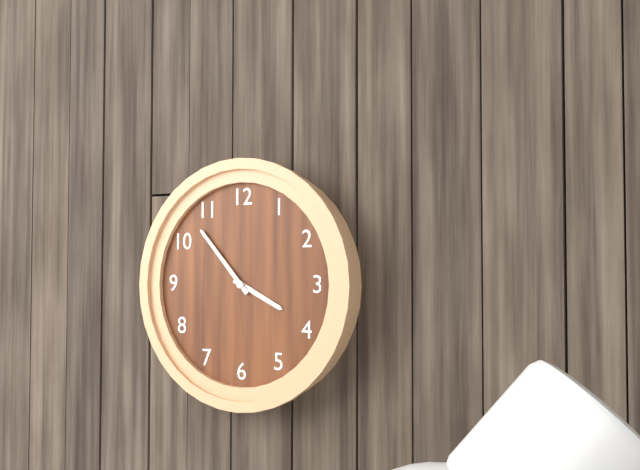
3:53
